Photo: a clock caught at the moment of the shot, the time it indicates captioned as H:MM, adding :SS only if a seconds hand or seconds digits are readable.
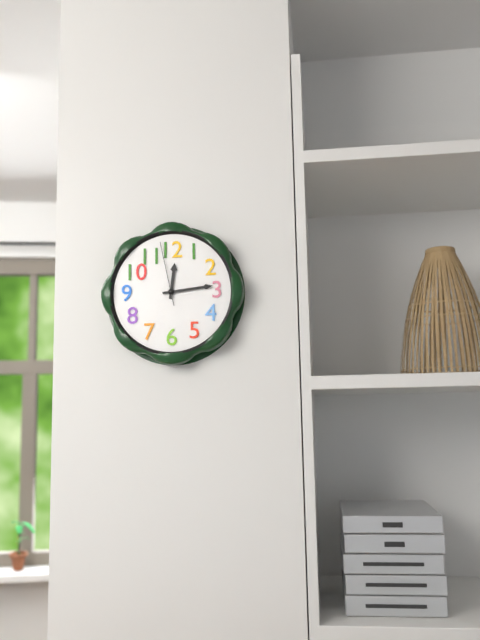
12:14:58
